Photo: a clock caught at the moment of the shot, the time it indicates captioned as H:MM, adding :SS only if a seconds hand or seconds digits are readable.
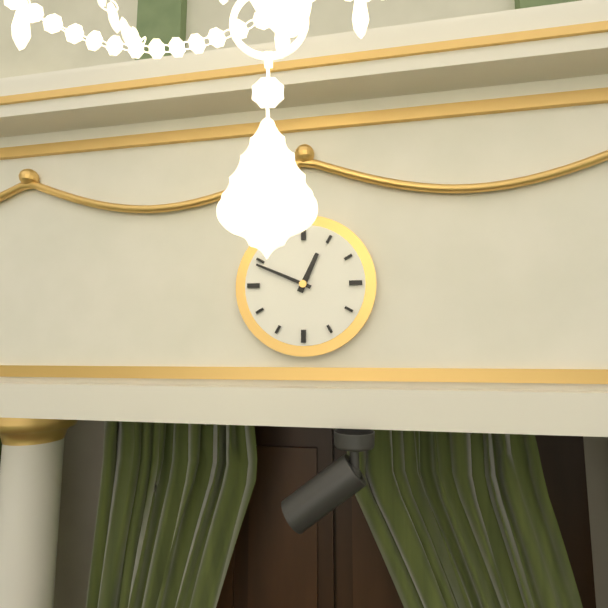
12:49
